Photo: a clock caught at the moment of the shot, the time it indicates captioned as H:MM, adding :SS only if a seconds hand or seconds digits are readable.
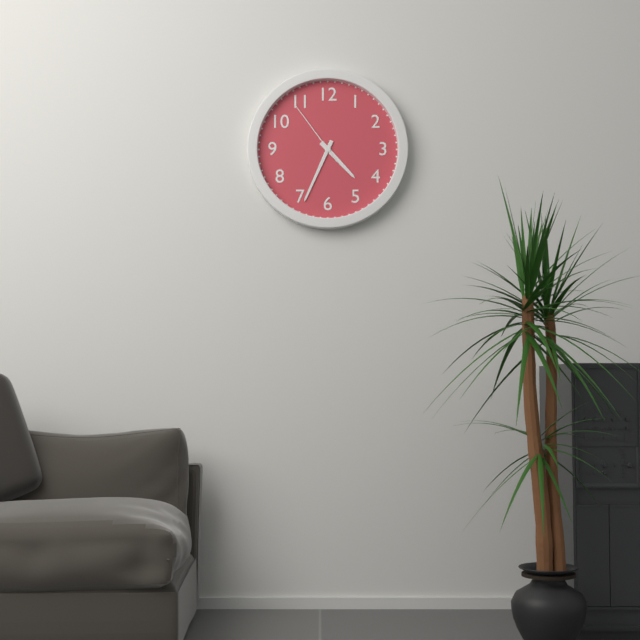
4:34:54
